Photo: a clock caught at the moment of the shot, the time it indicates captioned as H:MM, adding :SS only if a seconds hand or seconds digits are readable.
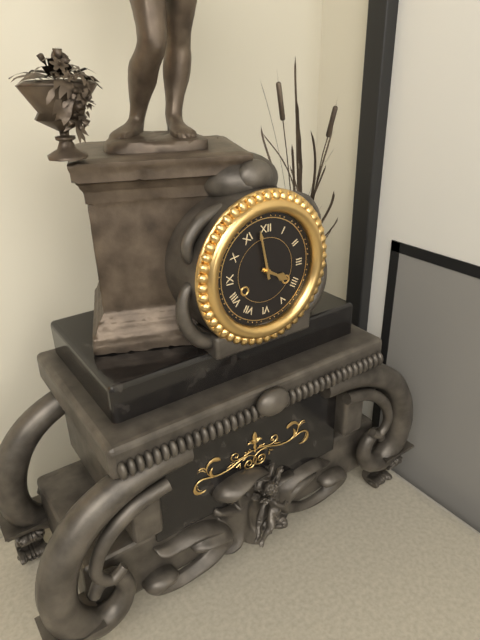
3:58
